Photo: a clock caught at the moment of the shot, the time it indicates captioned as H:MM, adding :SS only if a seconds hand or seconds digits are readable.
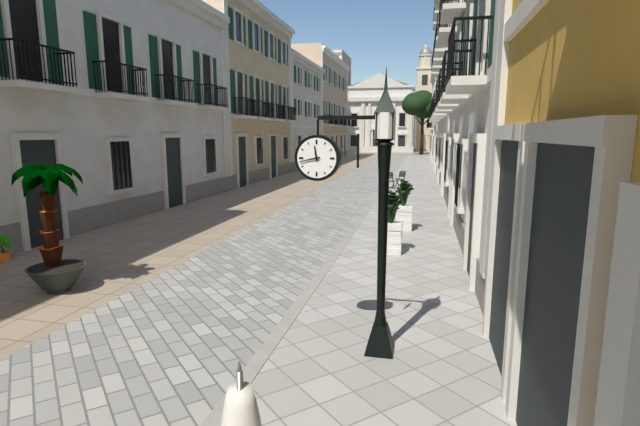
11:43
